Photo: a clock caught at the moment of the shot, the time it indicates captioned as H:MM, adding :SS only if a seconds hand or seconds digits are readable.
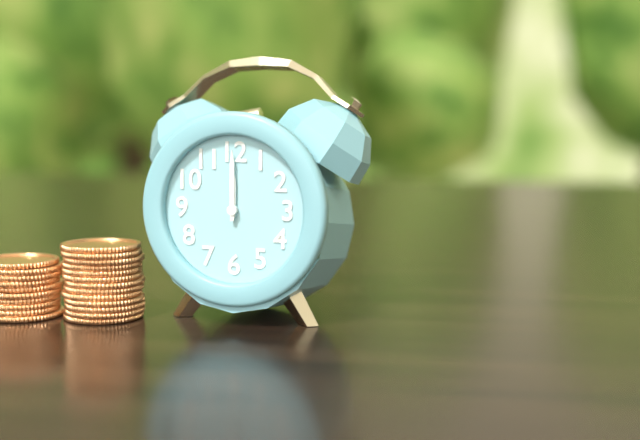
12:00
